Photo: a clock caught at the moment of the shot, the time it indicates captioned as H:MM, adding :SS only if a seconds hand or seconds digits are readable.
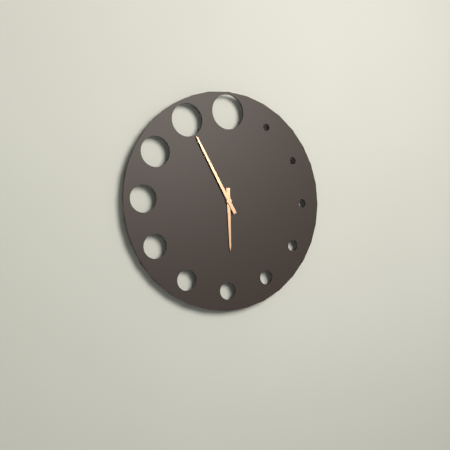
5:55
